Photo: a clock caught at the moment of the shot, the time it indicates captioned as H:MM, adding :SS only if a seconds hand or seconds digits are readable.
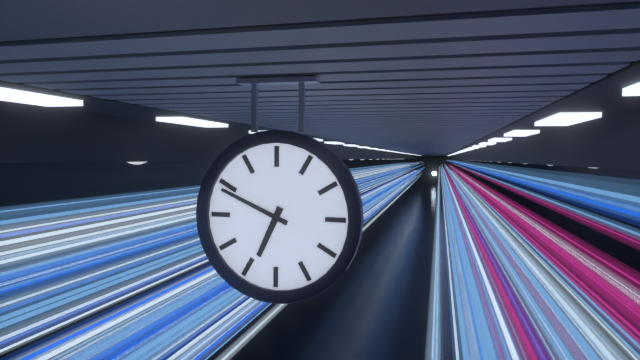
6:49
